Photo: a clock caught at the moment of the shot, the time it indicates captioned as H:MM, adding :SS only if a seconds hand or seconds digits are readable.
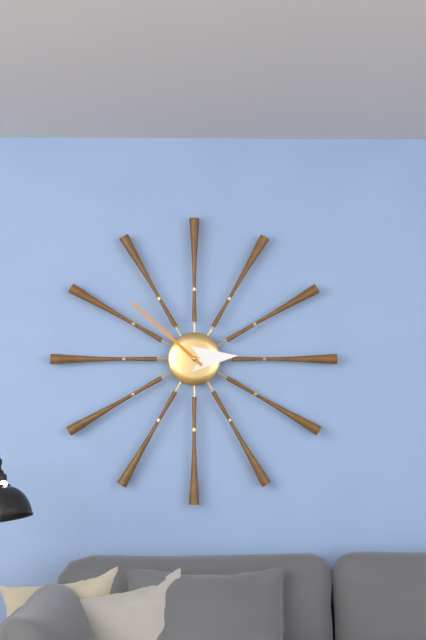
2:52
